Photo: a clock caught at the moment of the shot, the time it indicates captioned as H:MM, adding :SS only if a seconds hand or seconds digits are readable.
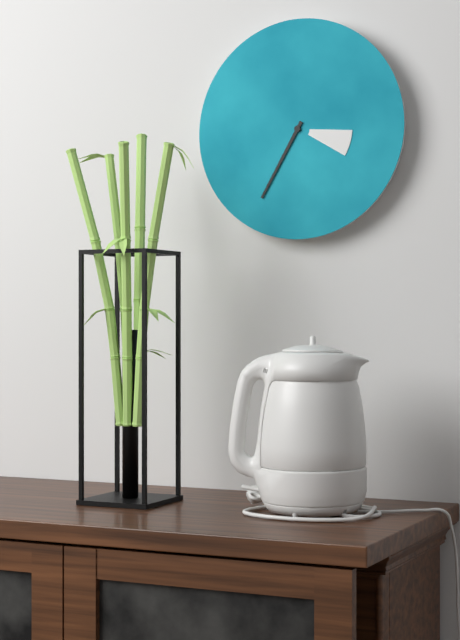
3:35
